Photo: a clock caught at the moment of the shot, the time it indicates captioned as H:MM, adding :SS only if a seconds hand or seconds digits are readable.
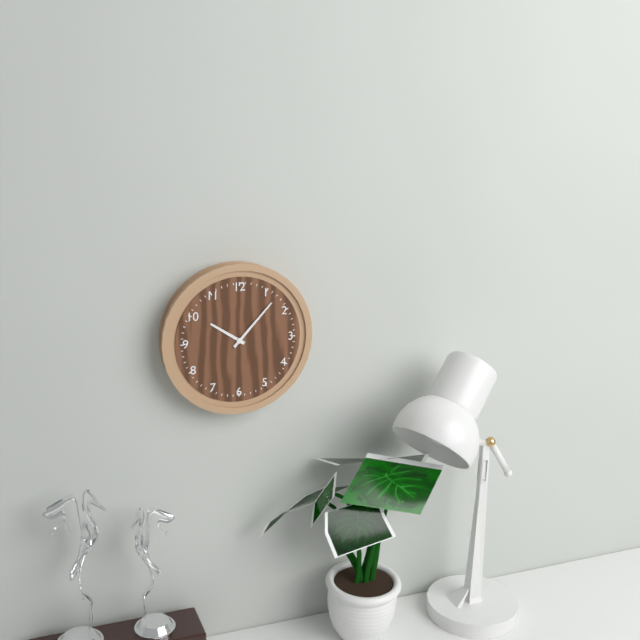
10:07
